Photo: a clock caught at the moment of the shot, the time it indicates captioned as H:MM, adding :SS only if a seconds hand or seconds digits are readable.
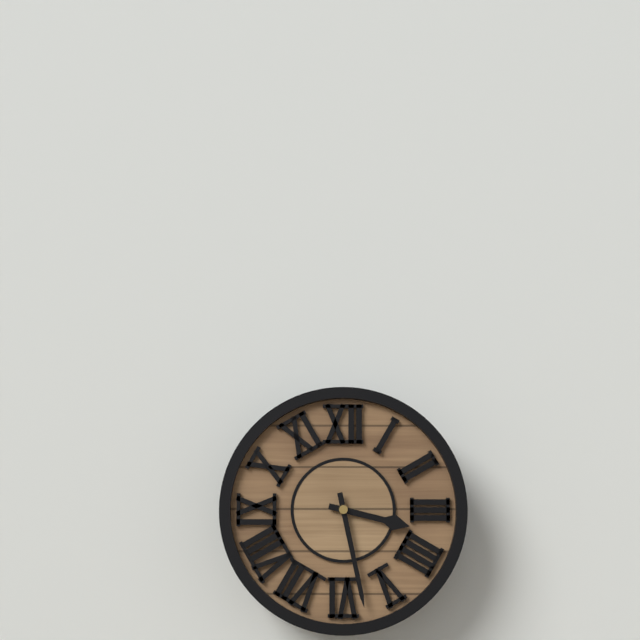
3:28
